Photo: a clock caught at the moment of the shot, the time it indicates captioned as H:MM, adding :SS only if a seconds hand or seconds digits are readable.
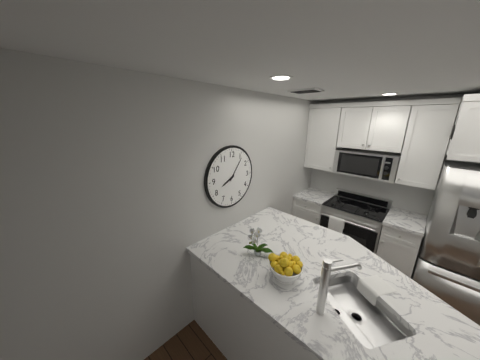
8:06
